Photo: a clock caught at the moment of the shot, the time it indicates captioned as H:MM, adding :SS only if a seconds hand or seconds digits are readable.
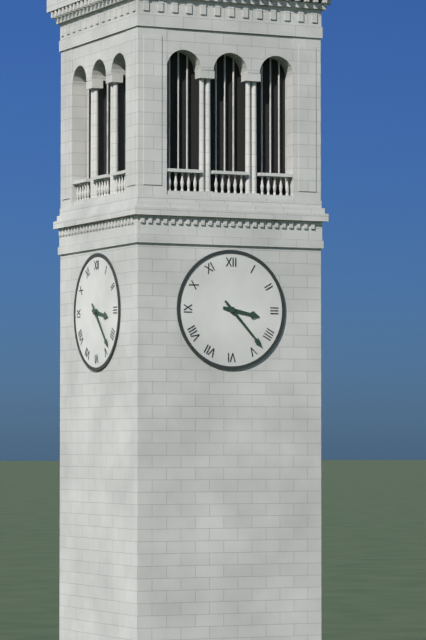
3:23
